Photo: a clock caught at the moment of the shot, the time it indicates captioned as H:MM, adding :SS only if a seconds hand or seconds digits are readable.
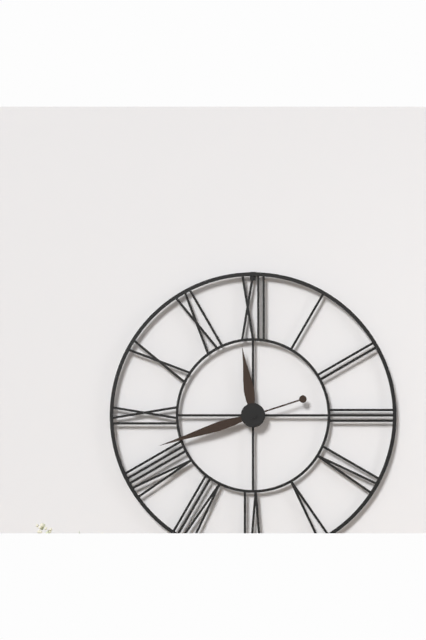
11:42
